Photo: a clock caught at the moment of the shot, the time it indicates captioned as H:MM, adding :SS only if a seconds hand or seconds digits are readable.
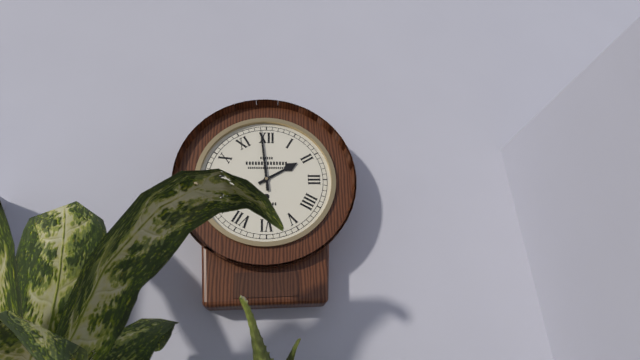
1:59
